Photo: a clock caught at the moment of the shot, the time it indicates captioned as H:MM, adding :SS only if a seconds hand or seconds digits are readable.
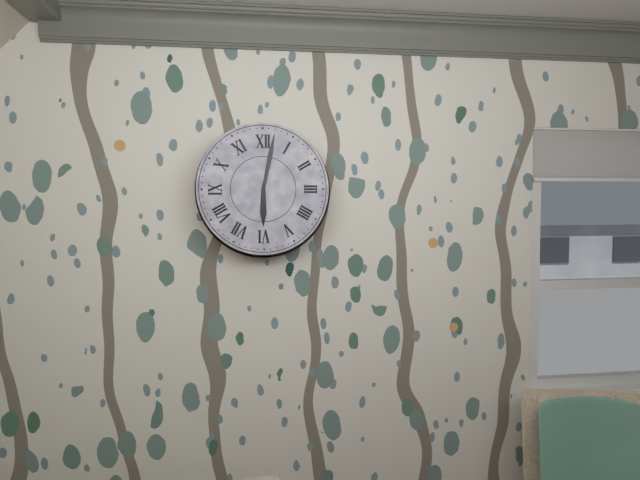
6:02
